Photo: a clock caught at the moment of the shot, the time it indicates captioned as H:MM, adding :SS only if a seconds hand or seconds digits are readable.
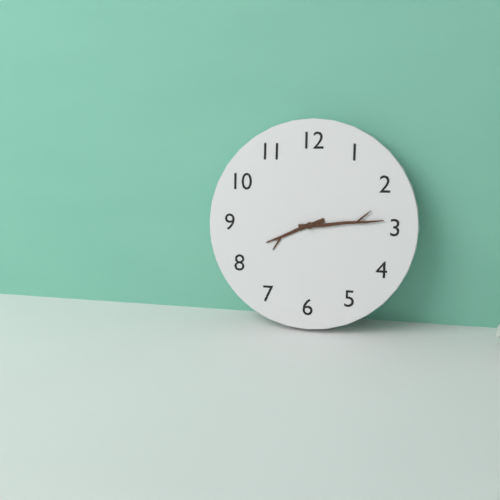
8:14
